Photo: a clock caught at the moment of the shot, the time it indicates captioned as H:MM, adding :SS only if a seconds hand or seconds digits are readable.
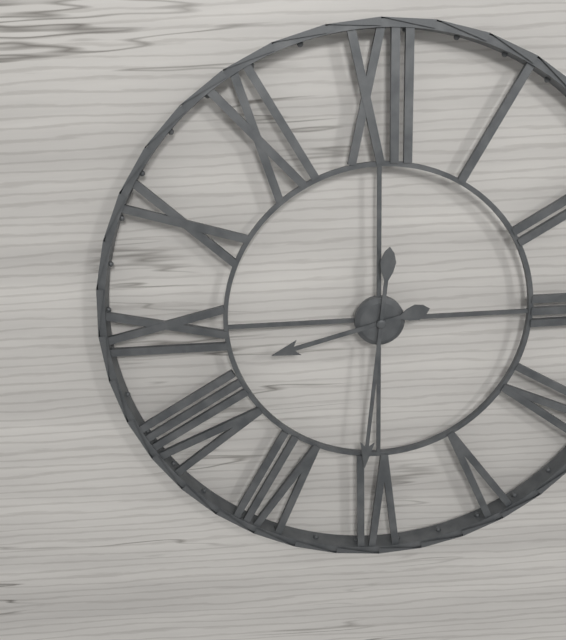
8:31
